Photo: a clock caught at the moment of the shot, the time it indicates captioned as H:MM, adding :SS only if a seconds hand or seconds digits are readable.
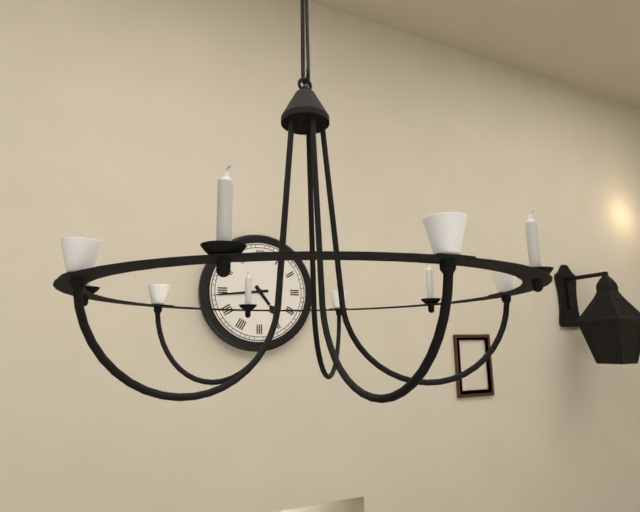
4:44
